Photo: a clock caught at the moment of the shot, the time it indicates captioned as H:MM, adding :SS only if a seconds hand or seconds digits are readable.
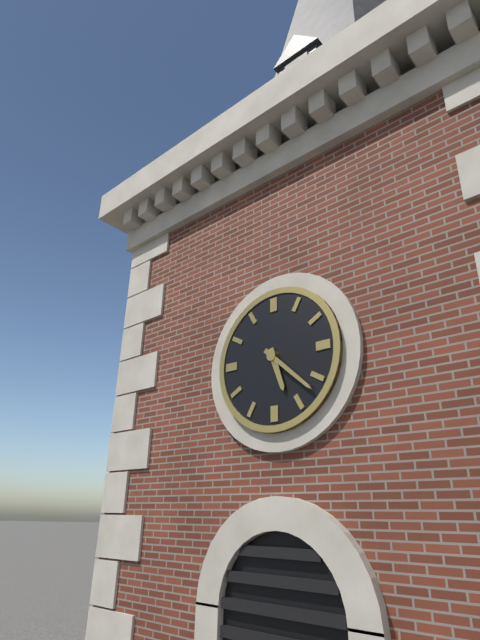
5:22
